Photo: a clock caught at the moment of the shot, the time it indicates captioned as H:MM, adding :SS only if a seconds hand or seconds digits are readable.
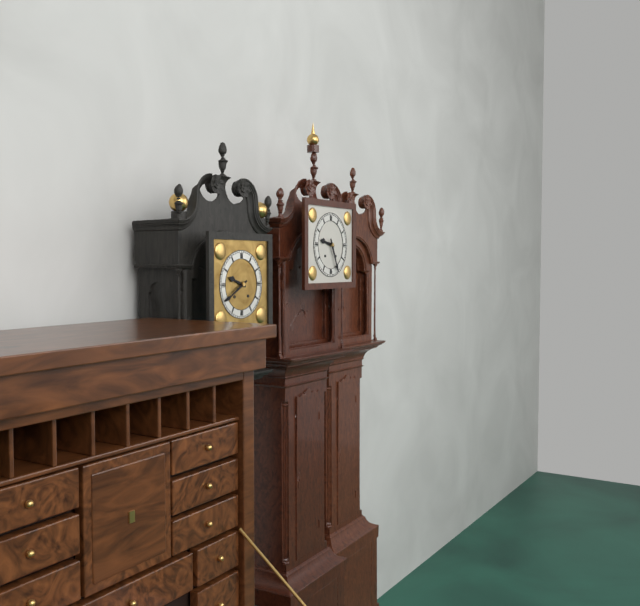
9:26
